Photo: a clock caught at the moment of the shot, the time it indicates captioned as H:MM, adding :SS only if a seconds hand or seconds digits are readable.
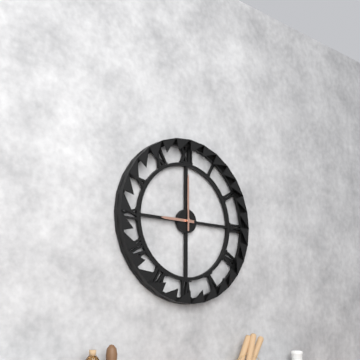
9:00
